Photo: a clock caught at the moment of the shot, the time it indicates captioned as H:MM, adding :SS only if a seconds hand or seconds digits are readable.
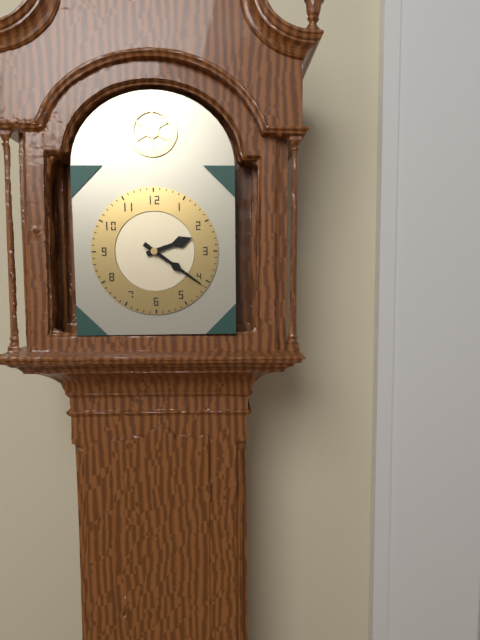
2:21
